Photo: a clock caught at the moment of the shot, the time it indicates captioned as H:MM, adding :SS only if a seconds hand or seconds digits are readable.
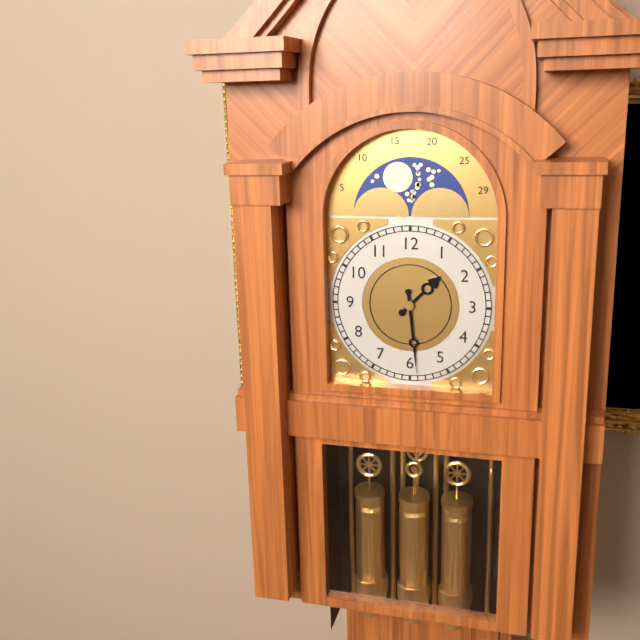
1:29
